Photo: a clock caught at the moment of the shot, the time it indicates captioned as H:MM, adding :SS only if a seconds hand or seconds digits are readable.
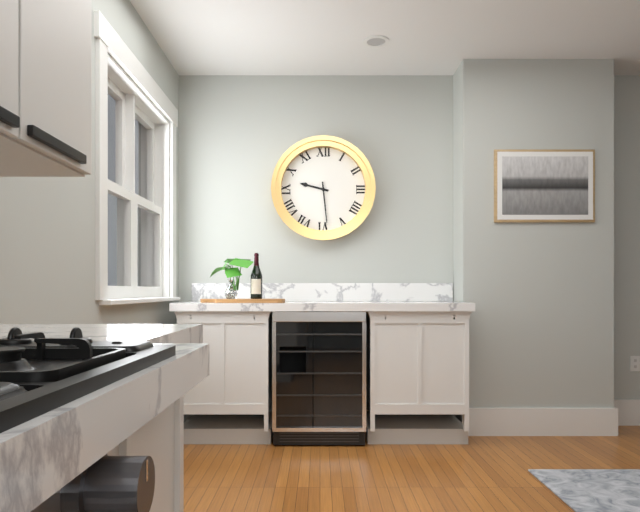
9:29
